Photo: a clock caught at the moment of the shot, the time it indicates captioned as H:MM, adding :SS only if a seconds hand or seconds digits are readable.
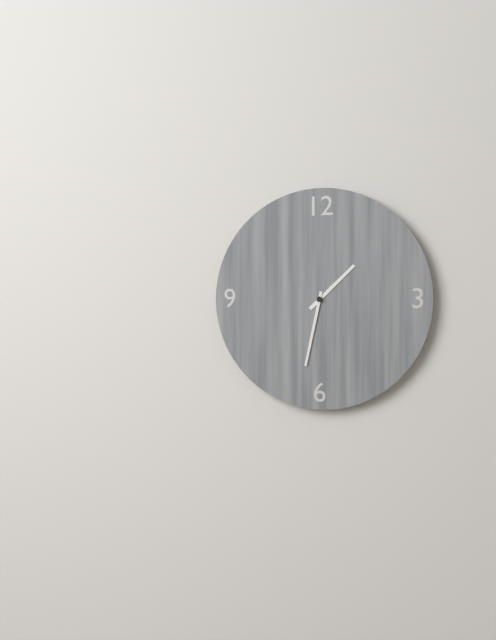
1:32
